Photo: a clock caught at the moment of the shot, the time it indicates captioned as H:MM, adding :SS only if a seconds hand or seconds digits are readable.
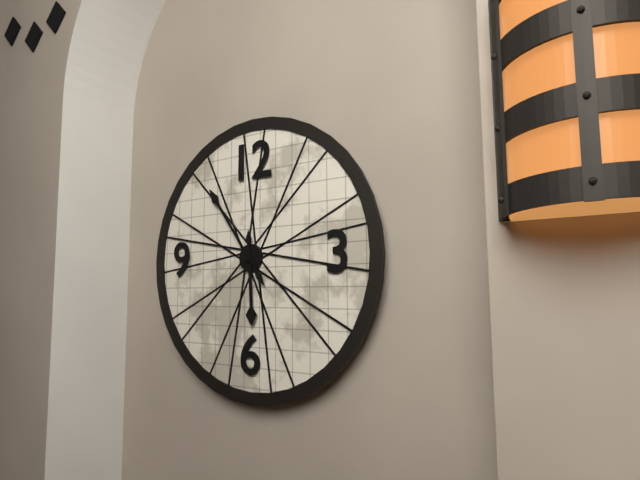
5:54
